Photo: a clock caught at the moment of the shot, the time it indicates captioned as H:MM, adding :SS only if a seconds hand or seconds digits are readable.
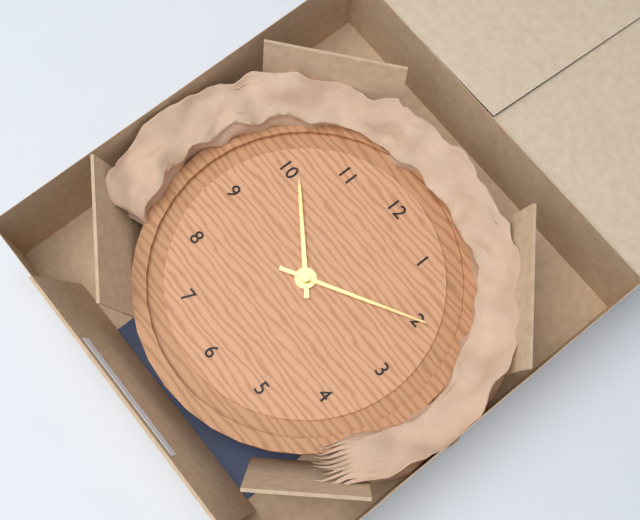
10:10
